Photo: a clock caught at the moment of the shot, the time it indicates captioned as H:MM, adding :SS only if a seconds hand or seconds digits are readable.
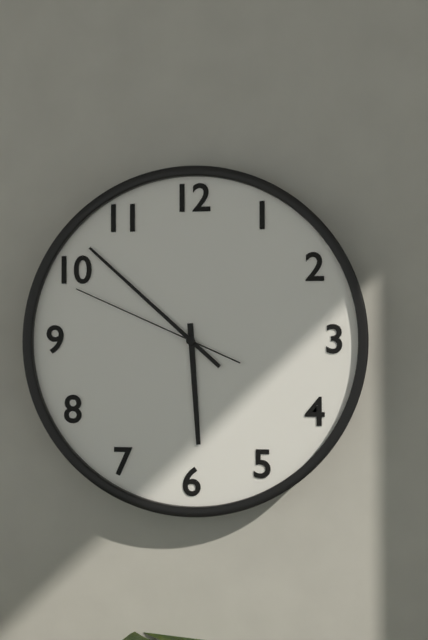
5:52:49
